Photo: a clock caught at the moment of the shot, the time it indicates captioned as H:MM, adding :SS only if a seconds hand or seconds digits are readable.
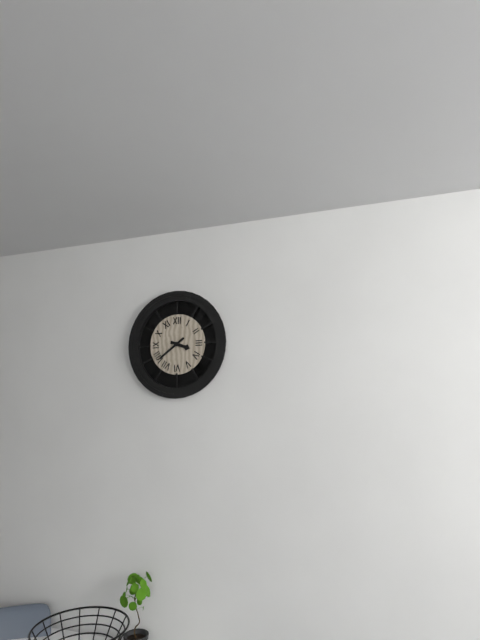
3:39
